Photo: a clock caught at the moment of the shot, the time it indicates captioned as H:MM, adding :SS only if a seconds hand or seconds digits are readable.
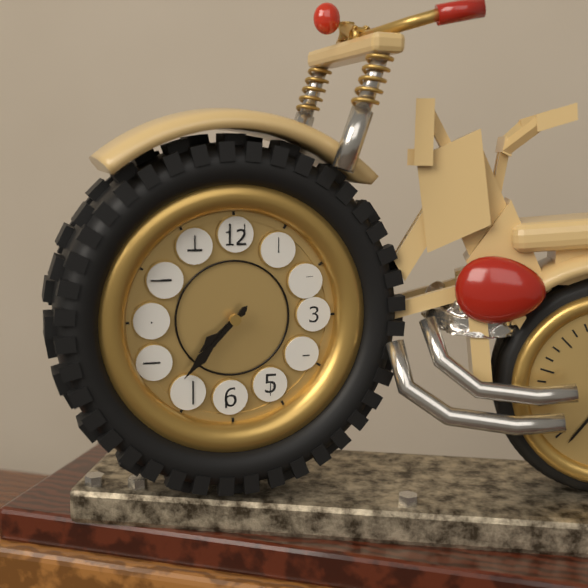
7:37
